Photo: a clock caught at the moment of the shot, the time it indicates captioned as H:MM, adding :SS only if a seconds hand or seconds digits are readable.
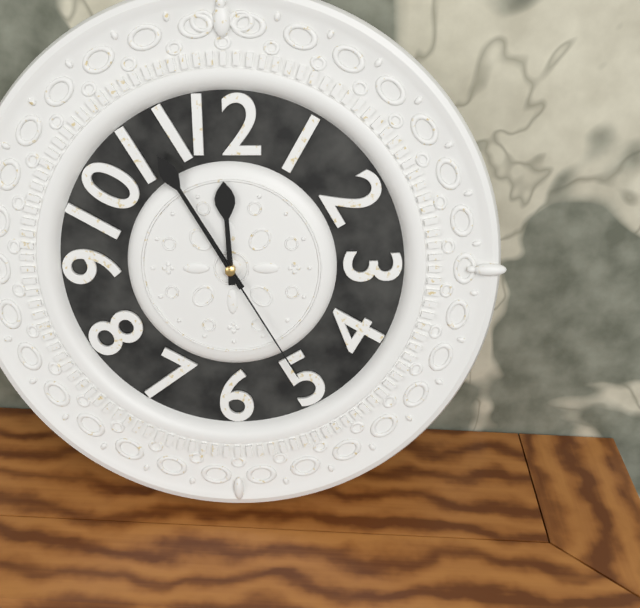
11:55:25
